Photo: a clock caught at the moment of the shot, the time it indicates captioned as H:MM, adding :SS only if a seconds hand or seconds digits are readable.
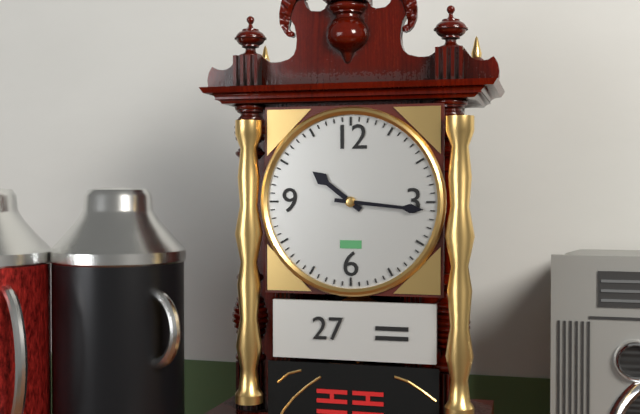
10:16
